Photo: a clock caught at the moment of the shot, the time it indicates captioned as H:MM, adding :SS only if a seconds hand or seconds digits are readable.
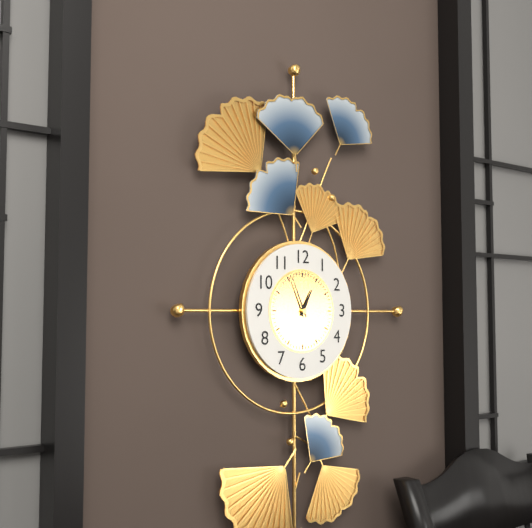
12:56
